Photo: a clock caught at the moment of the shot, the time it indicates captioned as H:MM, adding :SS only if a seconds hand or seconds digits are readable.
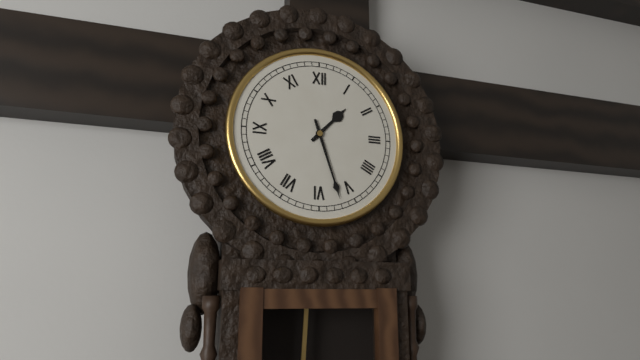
1:27
